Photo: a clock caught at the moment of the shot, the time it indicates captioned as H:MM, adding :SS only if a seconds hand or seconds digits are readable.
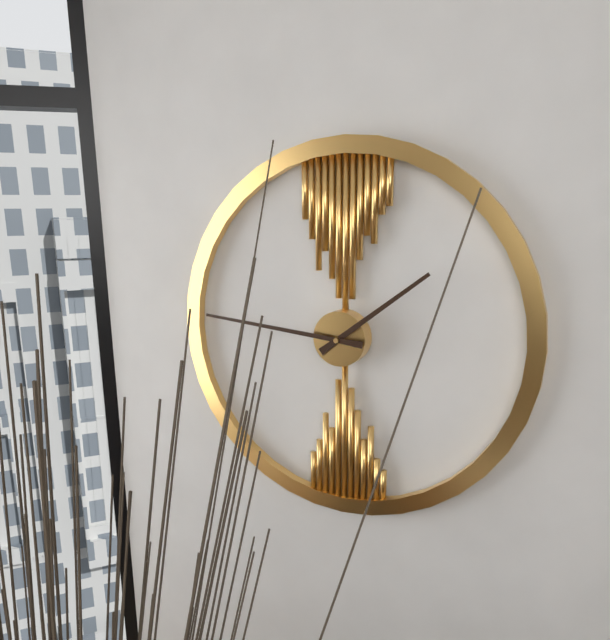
1:46
